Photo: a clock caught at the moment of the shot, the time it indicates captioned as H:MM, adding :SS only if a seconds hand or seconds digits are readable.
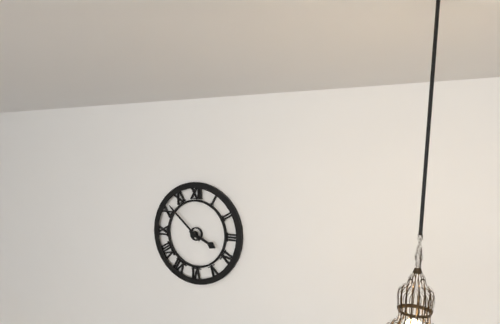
3:52
